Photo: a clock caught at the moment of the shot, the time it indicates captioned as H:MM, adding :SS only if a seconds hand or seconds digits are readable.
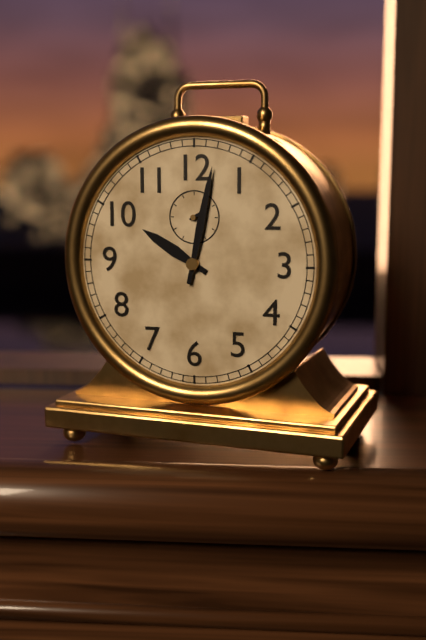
10:02
